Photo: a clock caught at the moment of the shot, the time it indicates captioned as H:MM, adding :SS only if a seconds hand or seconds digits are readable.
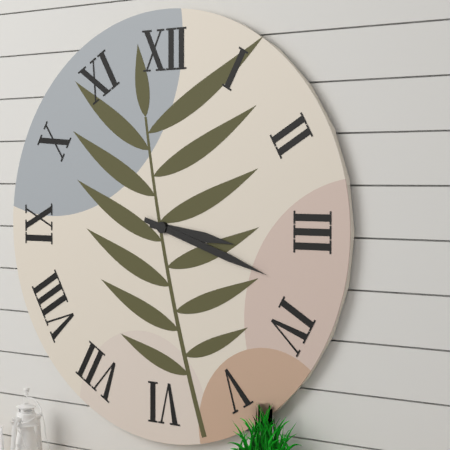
3:18
